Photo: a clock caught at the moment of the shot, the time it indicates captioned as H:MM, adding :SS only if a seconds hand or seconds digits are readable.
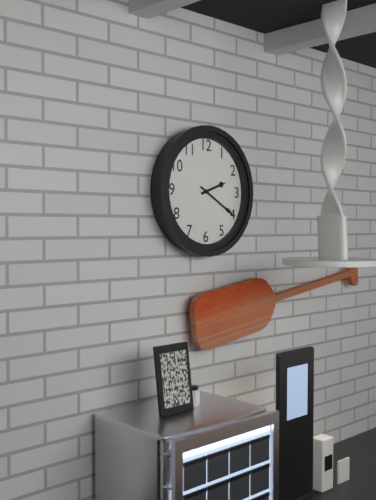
2:20
